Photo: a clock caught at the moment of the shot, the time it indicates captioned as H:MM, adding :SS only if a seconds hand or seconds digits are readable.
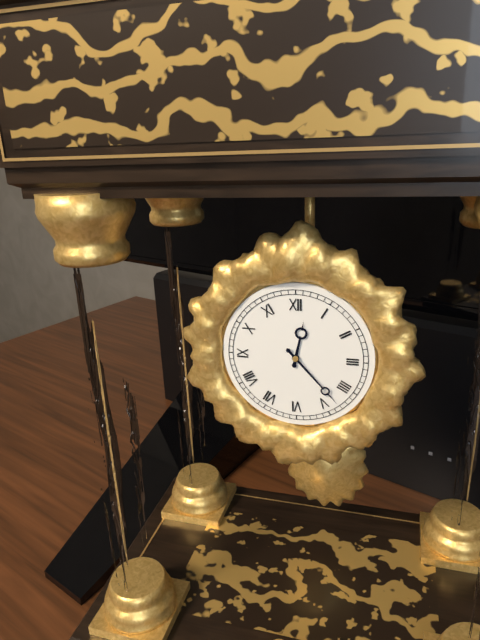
12:23
